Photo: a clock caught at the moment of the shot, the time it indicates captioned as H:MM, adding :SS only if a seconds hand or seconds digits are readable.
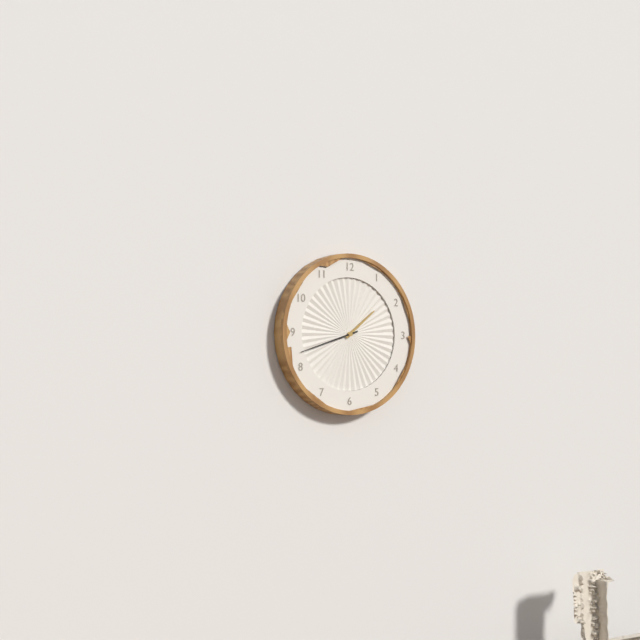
1:42
